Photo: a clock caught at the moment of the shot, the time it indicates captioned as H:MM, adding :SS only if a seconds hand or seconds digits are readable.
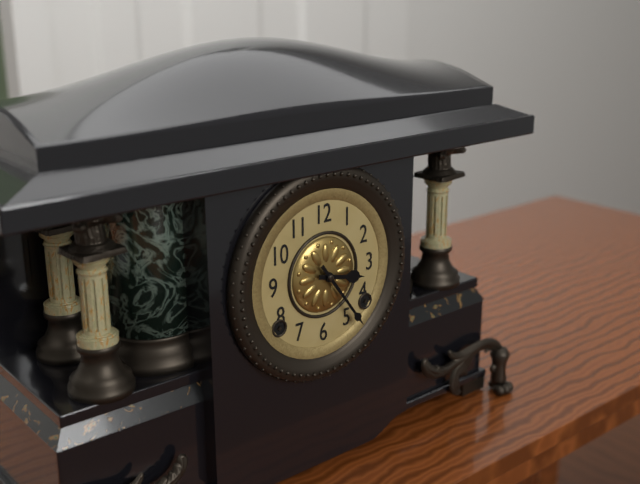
3:24
